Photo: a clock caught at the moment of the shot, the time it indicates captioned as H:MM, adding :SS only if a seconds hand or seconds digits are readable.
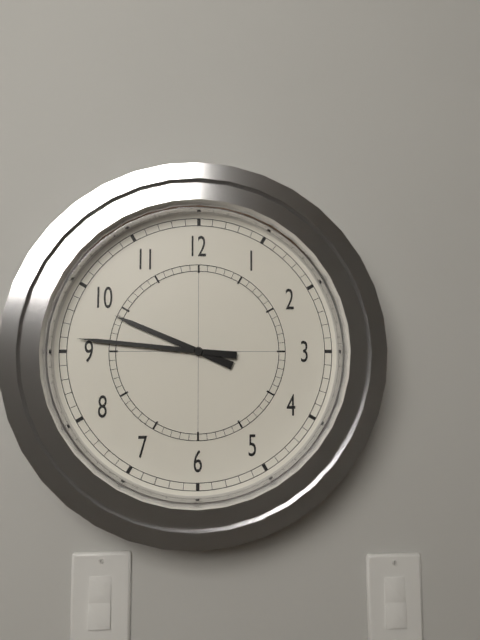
9:46
